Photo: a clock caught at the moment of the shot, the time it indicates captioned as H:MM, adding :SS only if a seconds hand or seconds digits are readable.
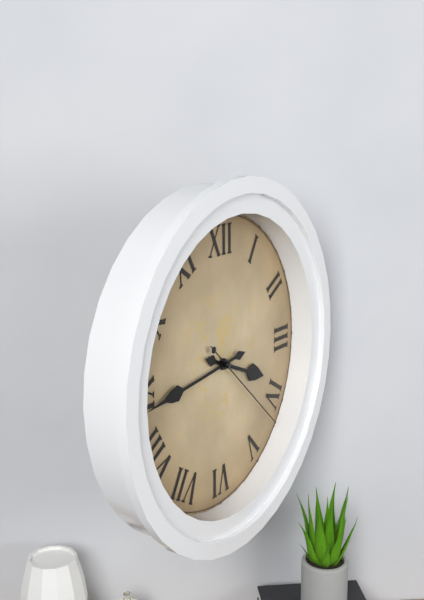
3:44:22
